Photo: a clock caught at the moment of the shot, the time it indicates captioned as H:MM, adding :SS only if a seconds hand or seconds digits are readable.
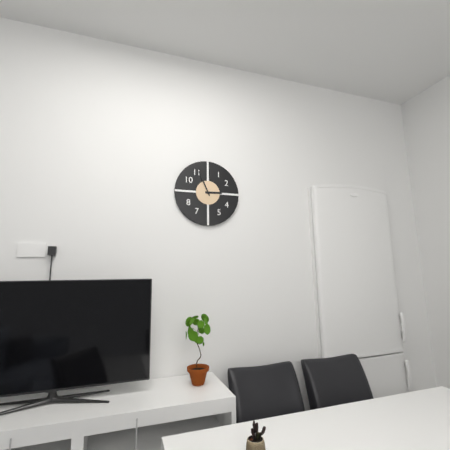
2:56
